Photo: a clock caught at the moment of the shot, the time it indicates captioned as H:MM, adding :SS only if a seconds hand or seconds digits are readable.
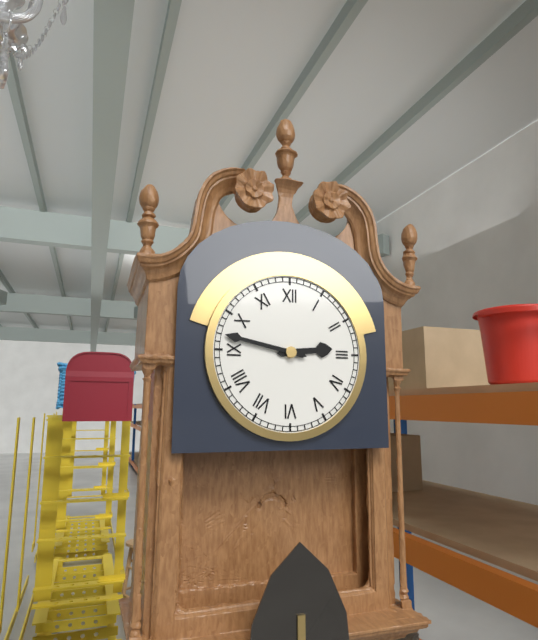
2:47
